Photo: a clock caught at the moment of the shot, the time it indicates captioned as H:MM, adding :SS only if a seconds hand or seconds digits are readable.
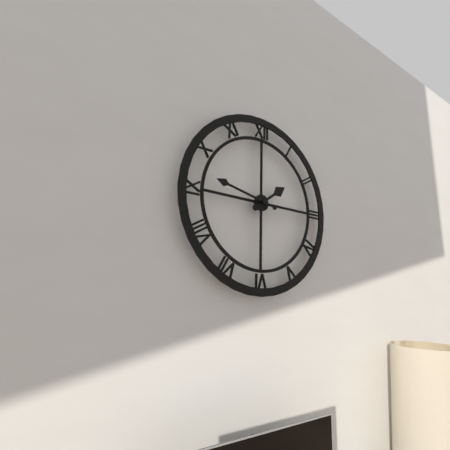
1:47
